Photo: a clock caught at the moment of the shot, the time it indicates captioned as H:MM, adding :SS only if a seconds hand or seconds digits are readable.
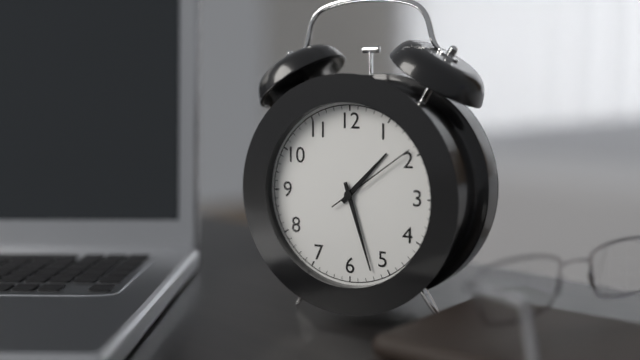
1:27:09
